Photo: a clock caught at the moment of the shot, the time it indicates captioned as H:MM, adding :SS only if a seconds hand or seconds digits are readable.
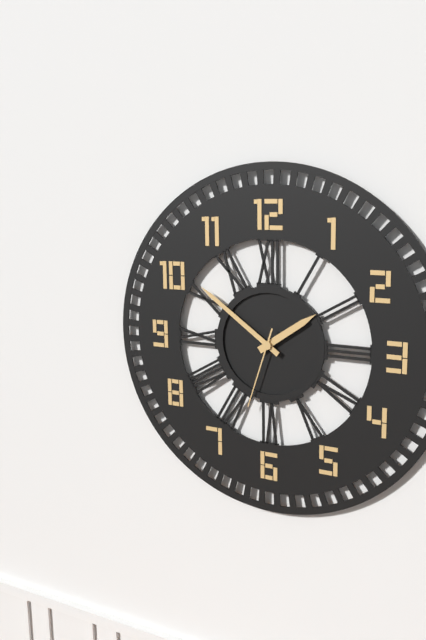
1:51:33
